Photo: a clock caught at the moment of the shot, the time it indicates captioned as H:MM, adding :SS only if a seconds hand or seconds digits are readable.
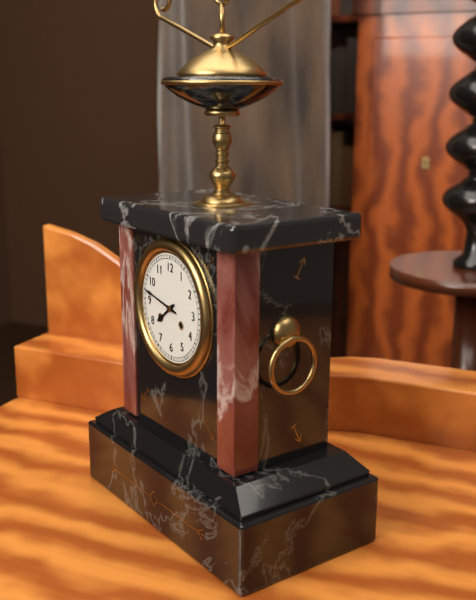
7:47
